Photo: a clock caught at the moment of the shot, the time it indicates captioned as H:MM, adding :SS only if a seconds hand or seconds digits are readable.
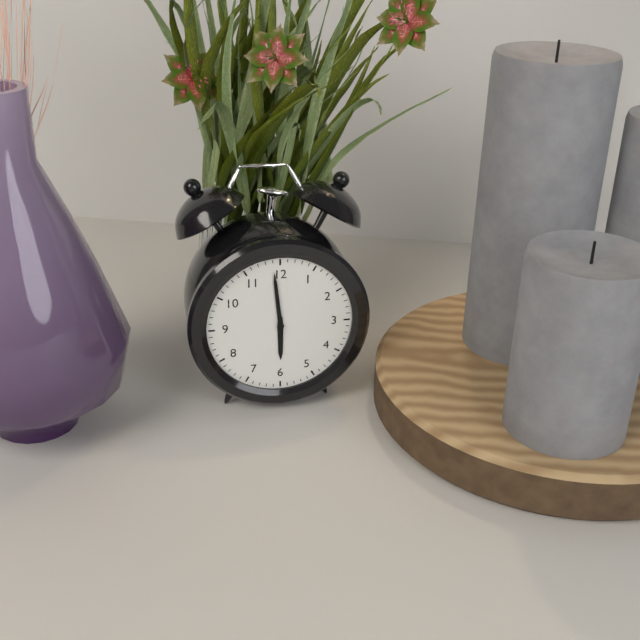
5:59
